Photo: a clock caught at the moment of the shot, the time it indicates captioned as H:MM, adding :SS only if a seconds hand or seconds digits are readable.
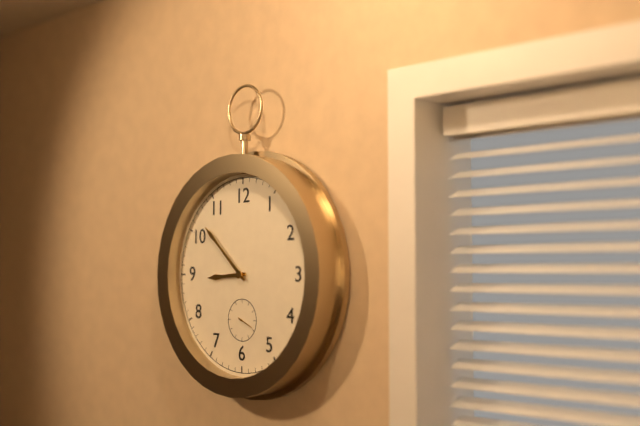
8:52
